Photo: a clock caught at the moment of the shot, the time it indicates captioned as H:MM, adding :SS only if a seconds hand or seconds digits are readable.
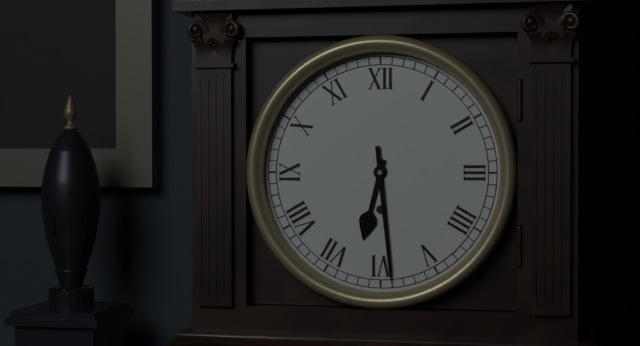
6:29
